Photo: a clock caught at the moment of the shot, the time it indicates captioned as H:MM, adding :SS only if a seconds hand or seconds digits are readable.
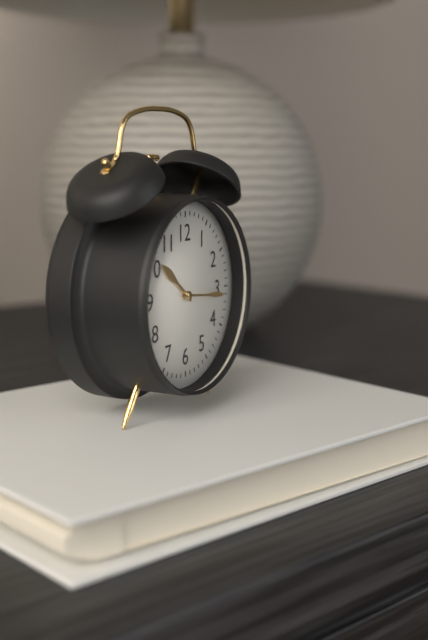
10:16
